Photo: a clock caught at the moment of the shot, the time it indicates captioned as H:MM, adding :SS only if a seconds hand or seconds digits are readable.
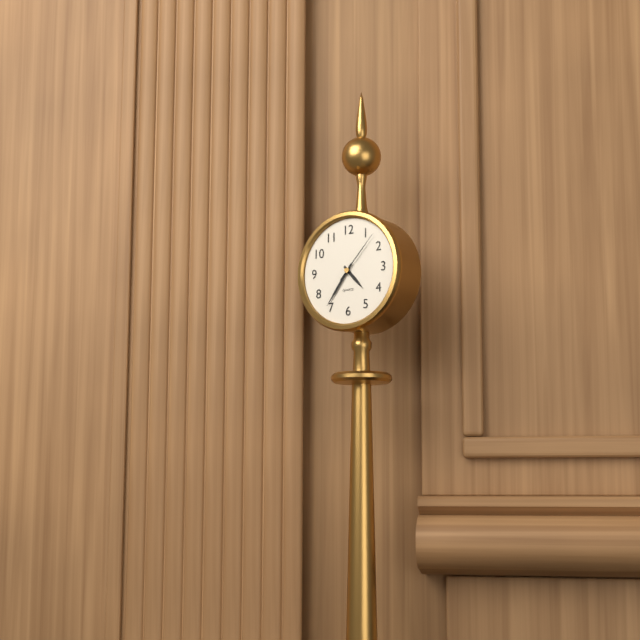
4:36:07
